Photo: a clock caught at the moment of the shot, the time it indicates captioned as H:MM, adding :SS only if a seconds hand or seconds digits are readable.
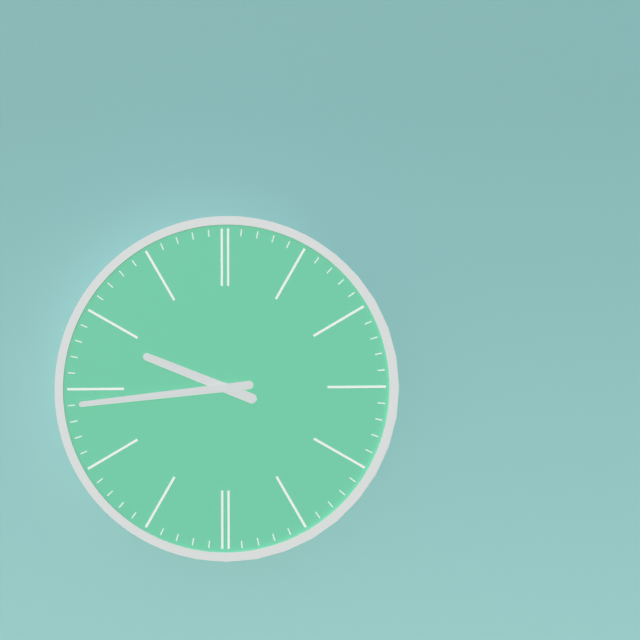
9:44
